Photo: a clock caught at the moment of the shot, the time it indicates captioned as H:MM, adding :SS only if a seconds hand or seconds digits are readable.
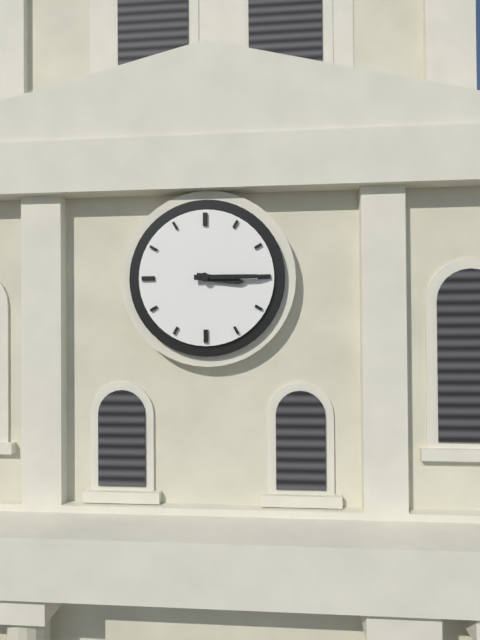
3:15
